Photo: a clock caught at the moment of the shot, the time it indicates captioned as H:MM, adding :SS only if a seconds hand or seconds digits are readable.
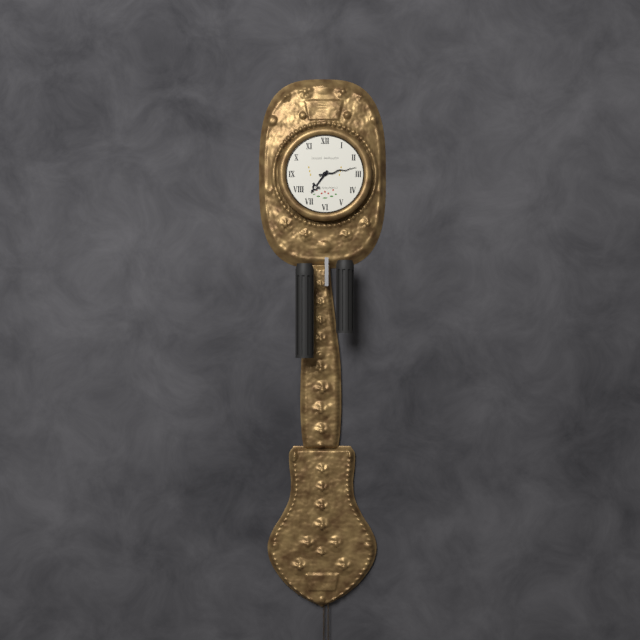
7:13
